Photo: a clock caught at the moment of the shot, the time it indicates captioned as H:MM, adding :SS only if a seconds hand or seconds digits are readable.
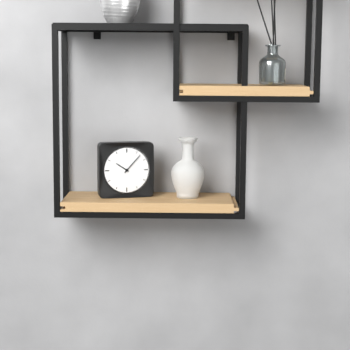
10:07
